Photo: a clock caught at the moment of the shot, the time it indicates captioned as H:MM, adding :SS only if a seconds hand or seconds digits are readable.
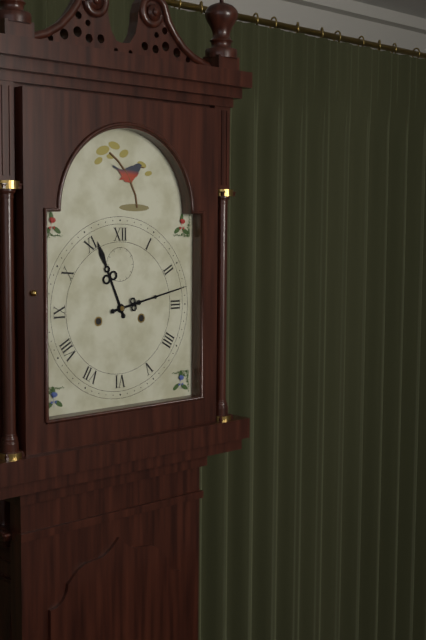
11:13
